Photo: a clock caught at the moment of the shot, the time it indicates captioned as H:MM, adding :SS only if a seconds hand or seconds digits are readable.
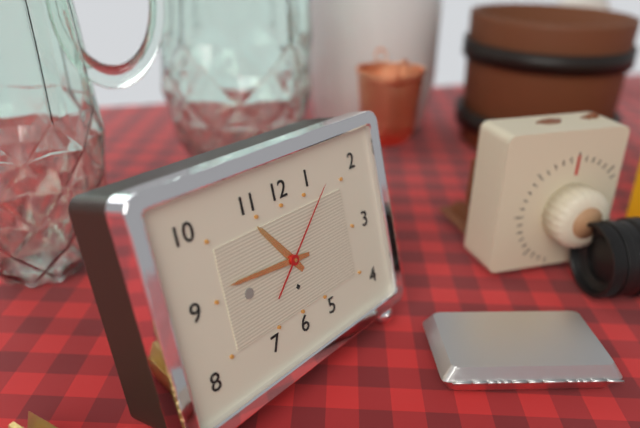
10:46:08
